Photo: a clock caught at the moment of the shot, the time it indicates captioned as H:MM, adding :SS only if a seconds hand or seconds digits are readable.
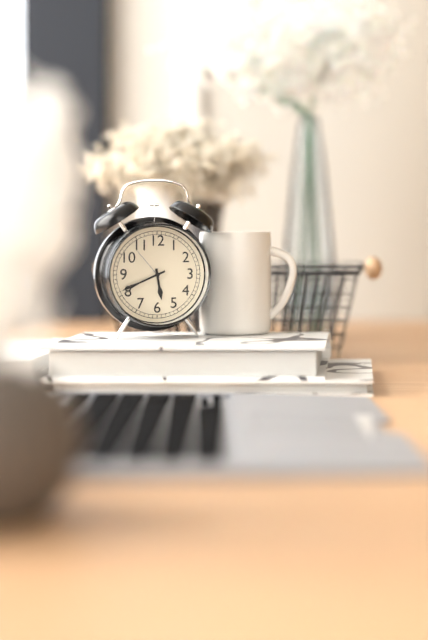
5:41
